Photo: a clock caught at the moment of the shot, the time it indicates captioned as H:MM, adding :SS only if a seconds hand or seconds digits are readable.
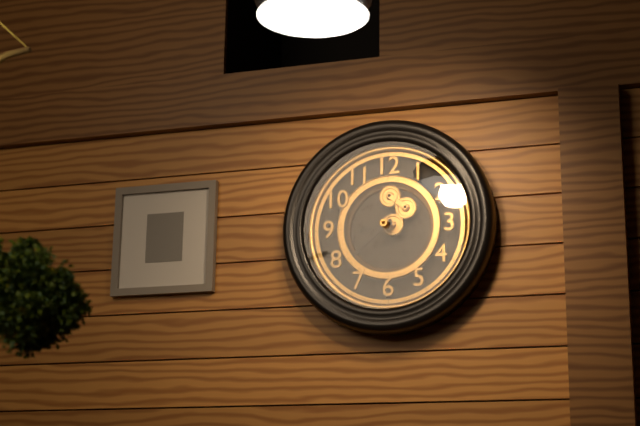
8:38:04
